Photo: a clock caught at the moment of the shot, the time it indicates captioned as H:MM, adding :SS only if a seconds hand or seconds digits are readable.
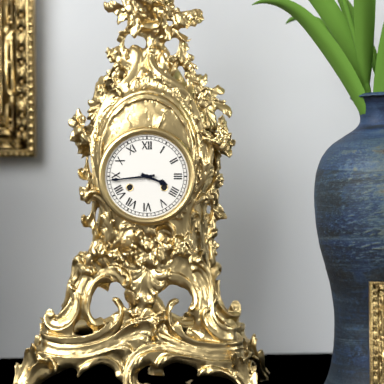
3:44
